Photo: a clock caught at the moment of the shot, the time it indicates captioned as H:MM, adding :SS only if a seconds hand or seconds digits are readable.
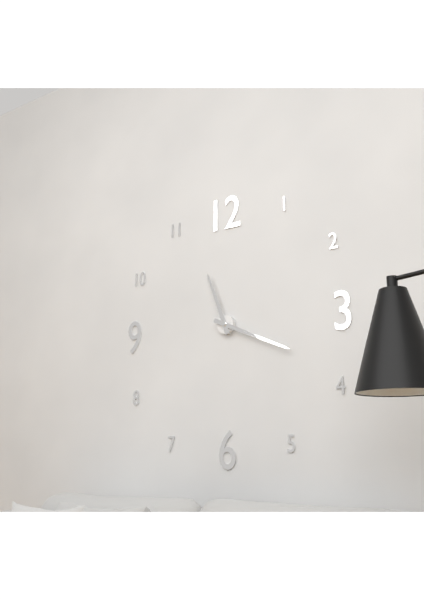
11:19
